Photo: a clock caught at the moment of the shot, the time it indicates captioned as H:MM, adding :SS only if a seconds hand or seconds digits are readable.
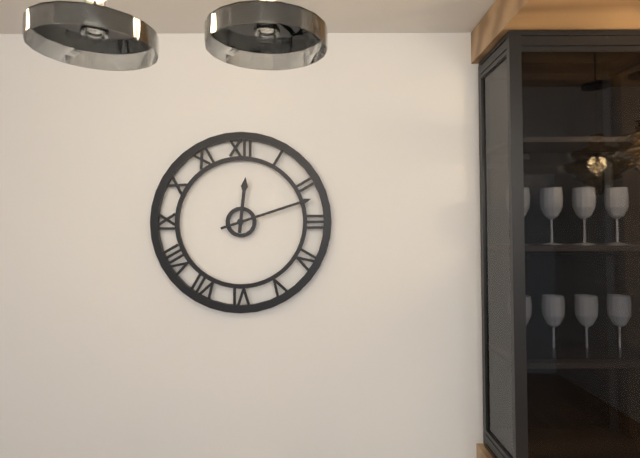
12:12
